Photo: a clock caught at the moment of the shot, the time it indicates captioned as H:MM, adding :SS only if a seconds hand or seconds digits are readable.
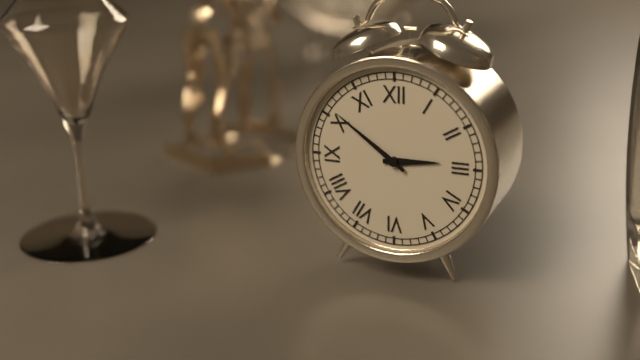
2:51
